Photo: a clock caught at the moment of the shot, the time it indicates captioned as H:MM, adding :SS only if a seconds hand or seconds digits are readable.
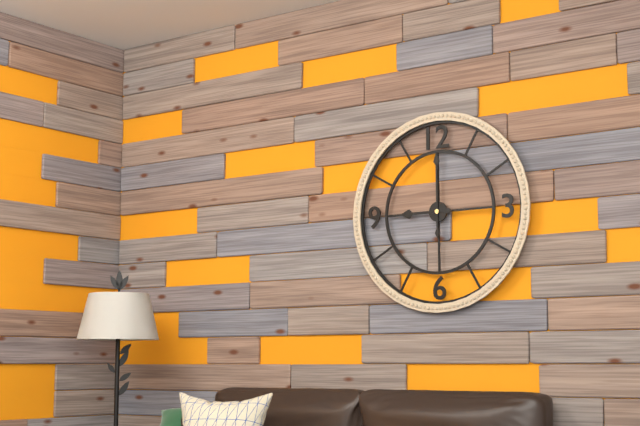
9:00
